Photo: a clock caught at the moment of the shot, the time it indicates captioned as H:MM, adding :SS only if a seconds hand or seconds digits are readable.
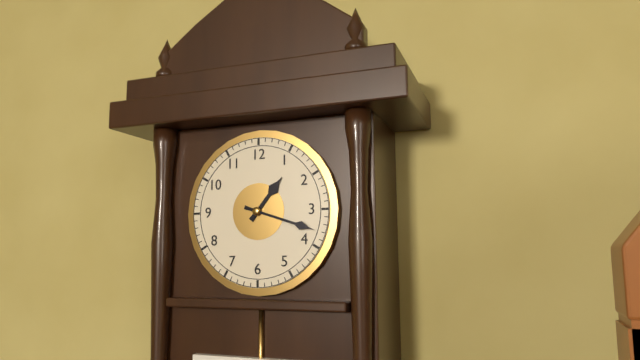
1:18
